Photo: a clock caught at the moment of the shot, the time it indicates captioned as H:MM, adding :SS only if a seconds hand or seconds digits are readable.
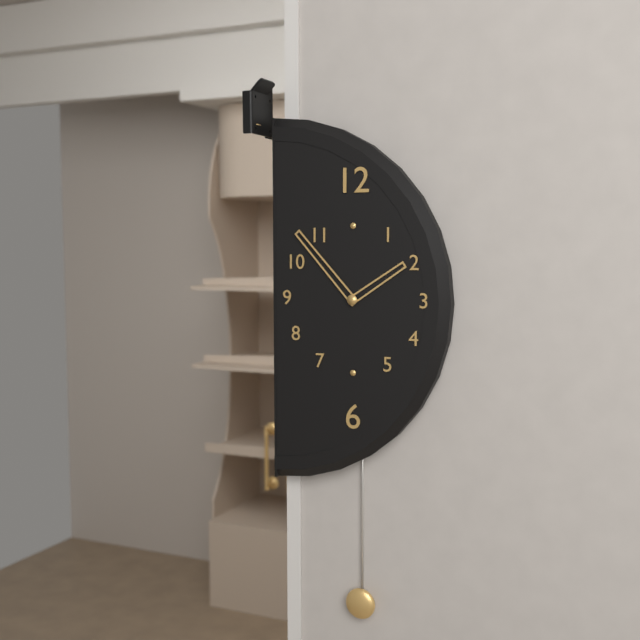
1:53
